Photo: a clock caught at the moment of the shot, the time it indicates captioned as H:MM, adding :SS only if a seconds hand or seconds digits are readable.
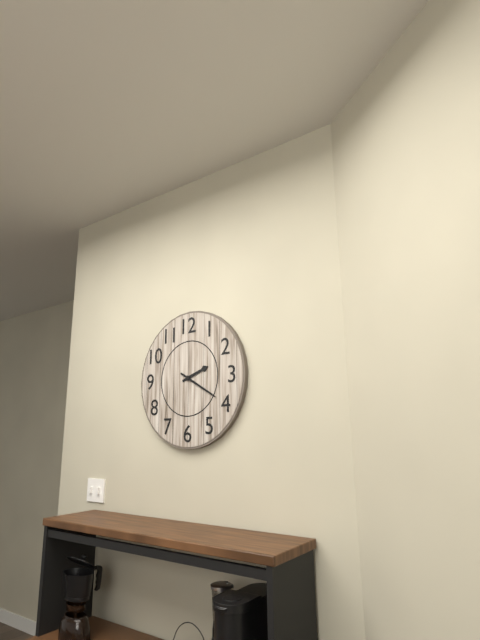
2:20
